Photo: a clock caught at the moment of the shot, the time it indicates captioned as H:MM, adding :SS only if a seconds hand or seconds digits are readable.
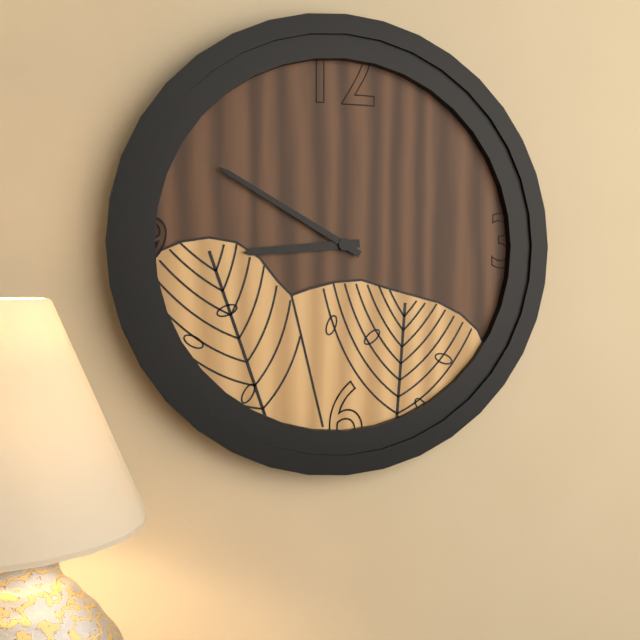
8:50
